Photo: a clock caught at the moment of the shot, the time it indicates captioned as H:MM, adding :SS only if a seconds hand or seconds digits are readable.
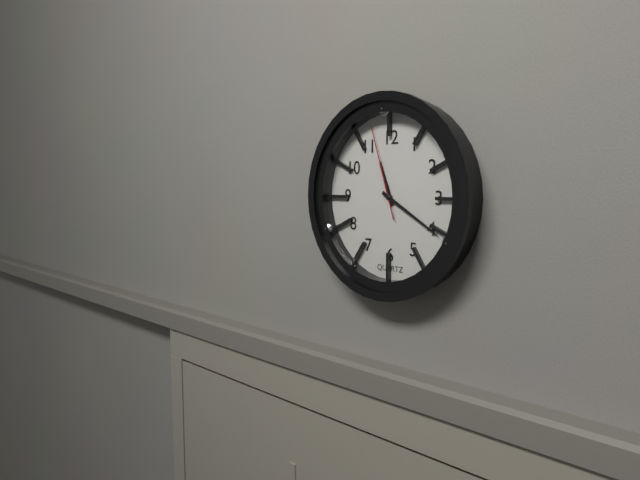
11:20:57
